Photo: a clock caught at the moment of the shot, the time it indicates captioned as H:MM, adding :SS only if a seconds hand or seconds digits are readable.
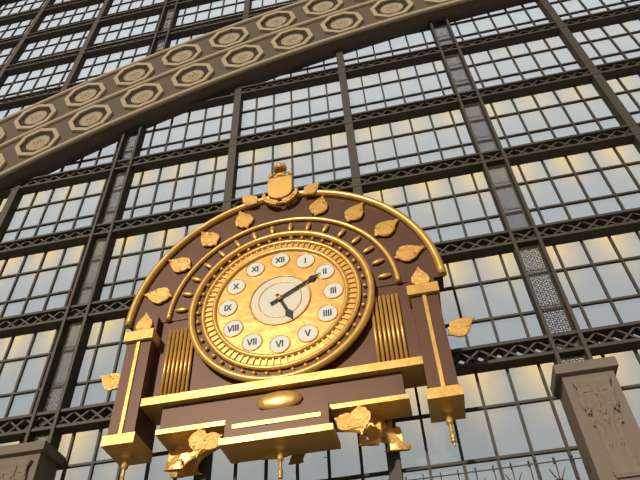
5:10
